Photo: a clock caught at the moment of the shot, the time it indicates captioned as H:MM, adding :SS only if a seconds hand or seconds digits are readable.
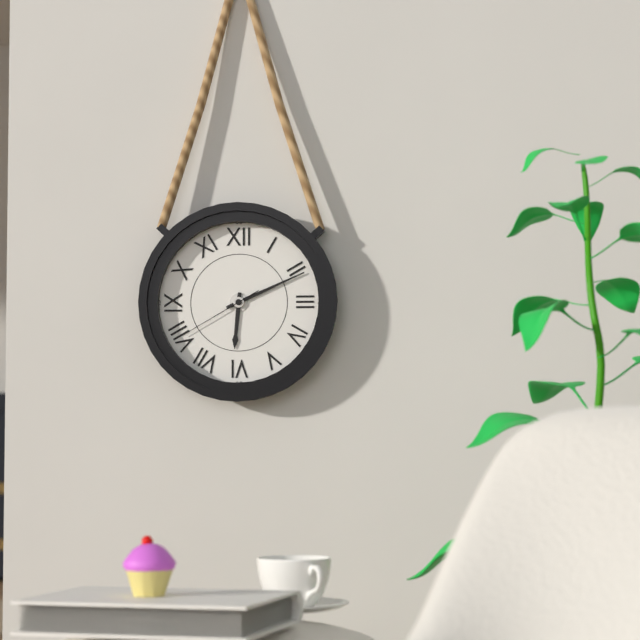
6:11:40
